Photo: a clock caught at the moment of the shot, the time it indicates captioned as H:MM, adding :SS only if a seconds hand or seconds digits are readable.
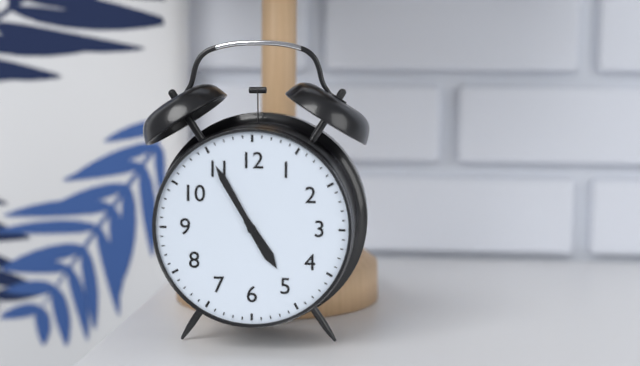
4:55
